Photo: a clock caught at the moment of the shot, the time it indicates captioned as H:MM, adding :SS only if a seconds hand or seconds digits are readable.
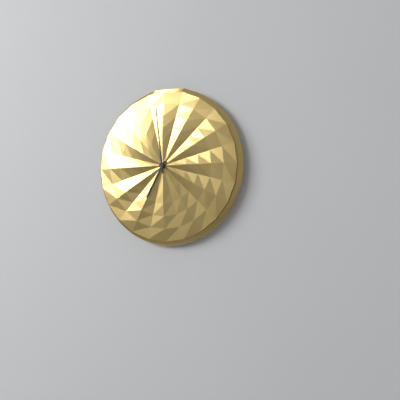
6:59
